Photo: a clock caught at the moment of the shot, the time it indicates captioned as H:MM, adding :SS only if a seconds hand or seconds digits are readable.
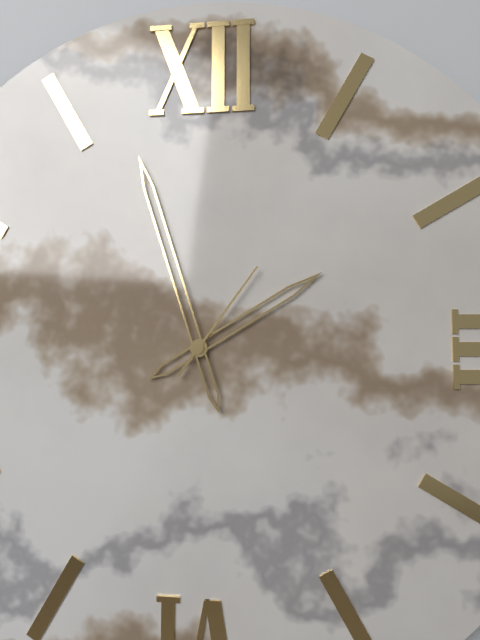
1:57:06
